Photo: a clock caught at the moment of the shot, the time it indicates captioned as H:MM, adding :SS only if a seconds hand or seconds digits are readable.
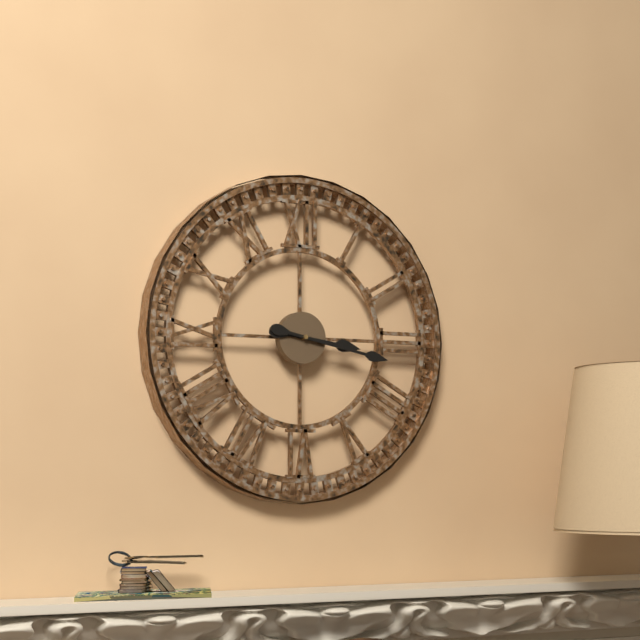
3:17
